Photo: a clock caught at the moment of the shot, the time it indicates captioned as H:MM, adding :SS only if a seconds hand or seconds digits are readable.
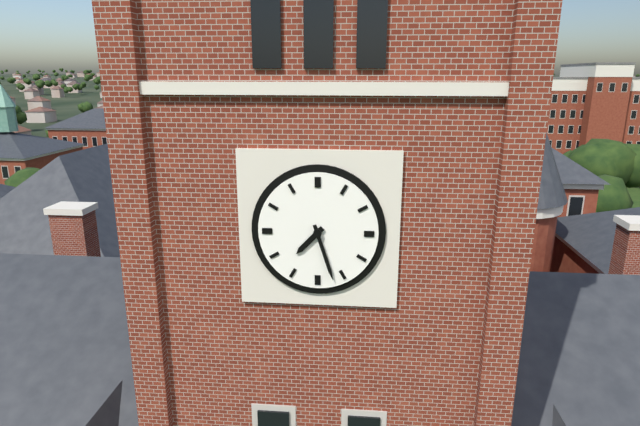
7:27
